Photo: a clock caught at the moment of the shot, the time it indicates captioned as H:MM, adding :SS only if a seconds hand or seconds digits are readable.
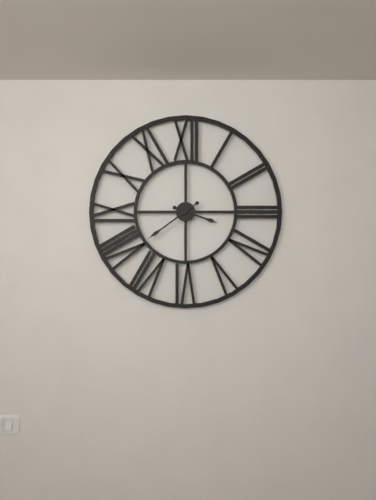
3:39
